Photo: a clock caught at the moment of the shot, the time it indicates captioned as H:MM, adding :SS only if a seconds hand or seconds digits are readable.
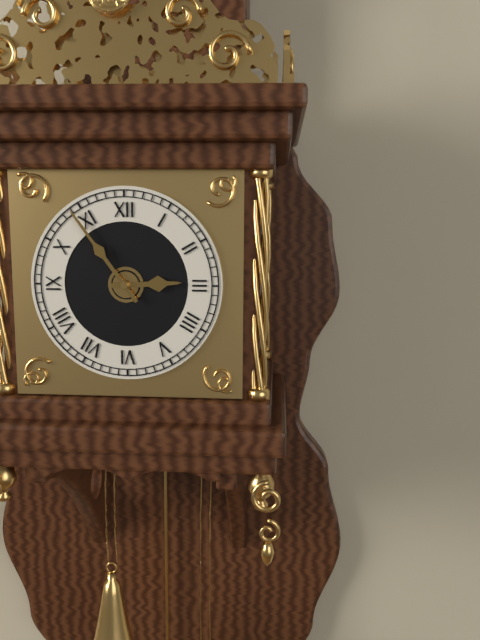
2:54
